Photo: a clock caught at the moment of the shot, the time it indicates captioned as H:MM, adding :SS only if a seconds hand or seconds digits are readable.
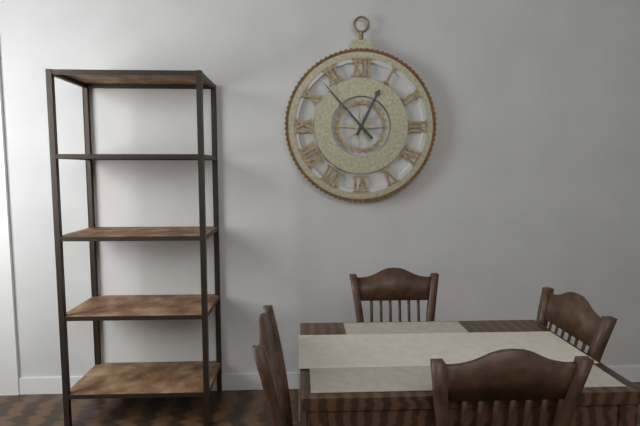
12:53
